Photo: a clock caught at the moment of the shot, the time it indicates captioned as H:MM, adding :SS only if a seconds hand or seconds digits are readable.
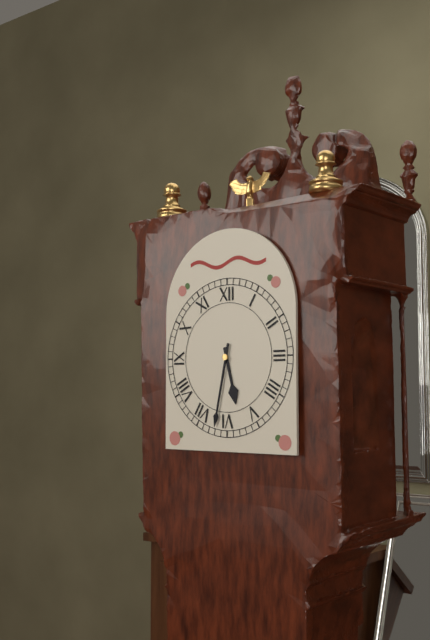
5:32
